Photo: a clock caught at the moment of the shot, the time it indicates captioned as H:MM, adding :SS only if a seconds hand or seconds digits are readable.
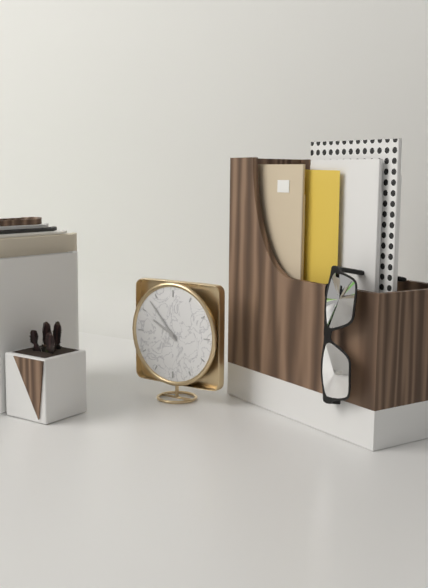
9:53
